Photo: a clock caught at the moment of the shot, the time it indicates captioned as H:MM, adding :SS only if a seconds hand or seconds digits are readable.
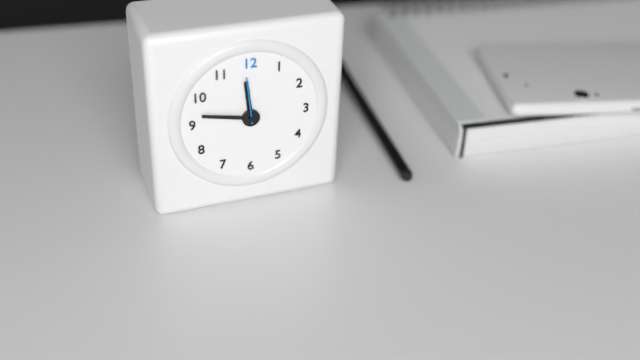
11:47:59
